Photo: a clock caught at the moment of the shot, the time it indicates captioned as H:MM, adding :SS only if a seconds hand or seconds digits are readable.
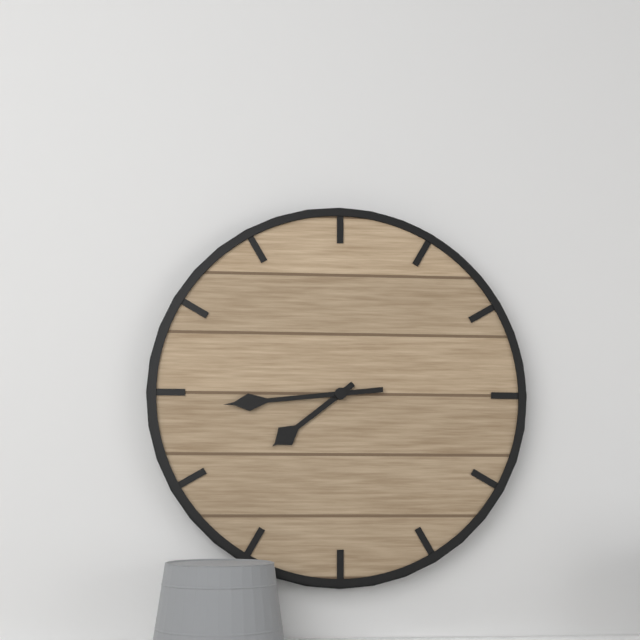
7:44
